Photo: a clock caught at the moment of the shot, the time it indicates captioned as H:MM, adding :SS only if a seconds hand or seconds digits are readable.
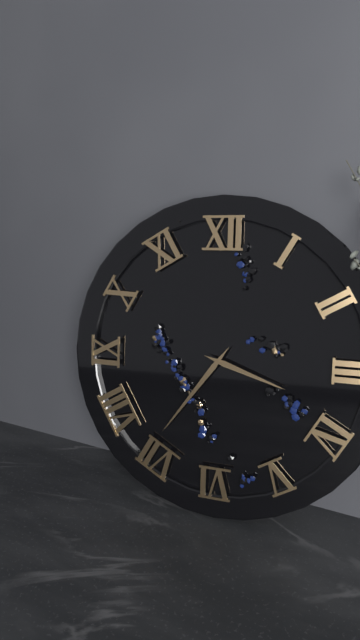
3:36
